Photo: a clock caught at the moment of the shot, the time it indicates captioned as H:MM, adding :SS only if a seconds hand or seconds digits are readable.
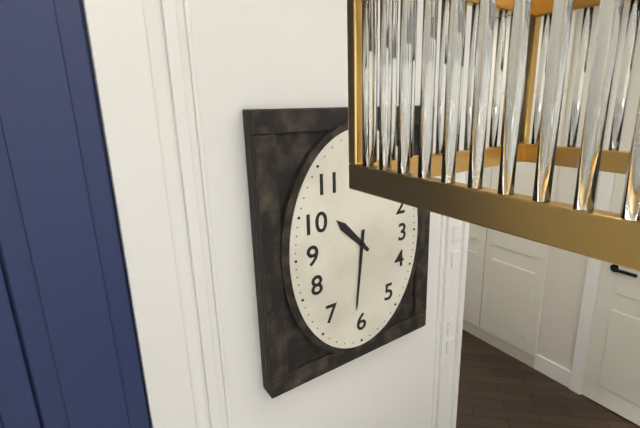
10:31
